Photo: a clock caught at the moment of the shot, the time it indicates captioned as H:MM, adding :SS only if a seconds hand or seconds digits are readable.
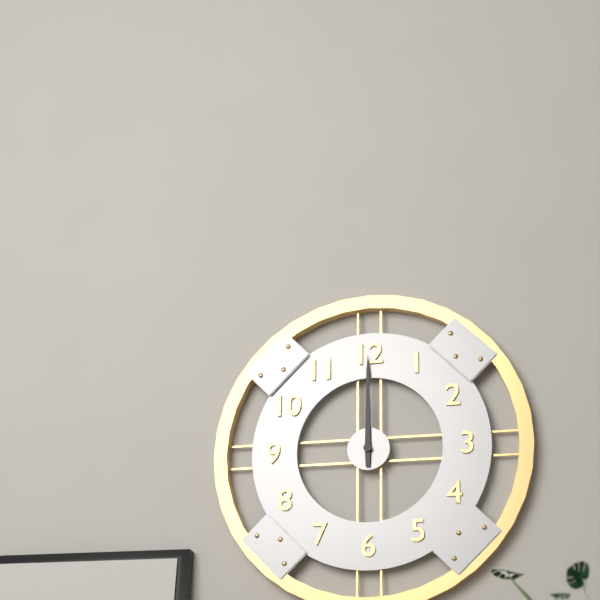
12:00
